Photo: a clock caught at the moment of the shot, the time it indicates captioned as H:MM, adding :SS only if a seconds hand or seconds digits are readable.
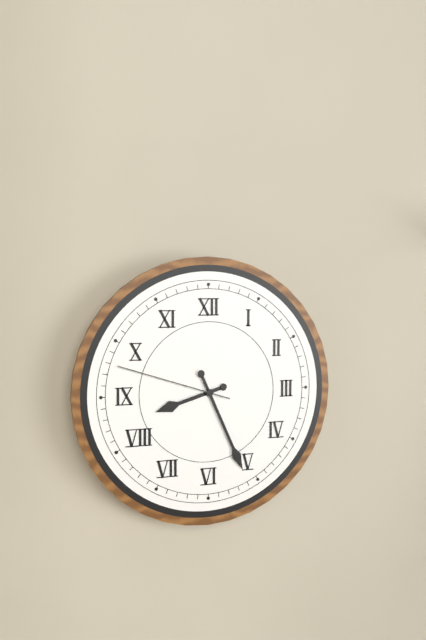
8:26:48
